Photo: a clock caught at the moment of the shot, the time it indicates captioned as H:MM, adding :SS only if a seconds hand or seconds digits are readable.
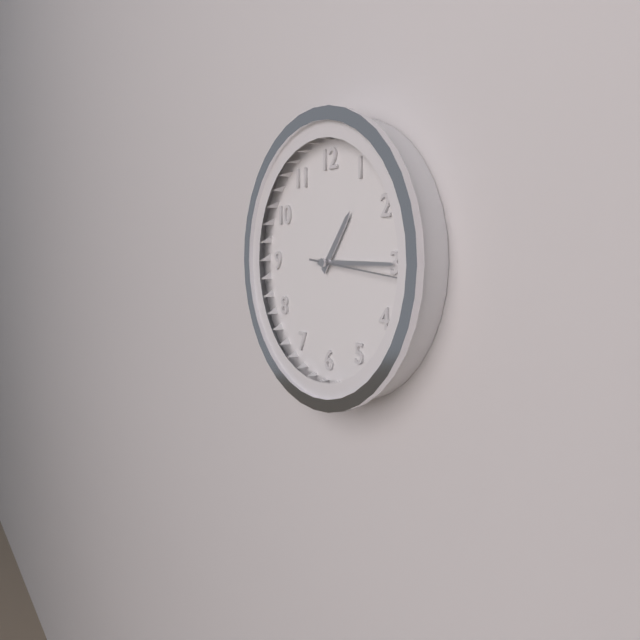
1:15:16
